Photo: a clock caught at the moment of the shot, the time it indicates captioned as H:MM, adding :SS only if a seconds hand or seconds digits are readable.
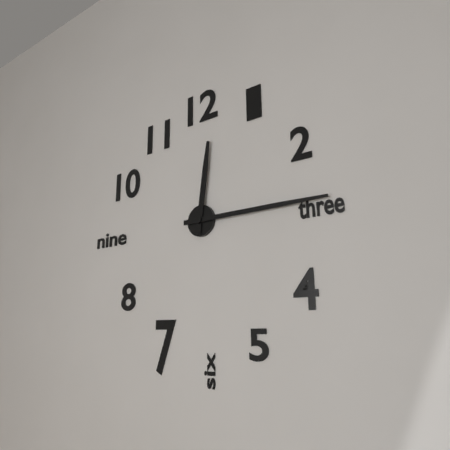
12:15
